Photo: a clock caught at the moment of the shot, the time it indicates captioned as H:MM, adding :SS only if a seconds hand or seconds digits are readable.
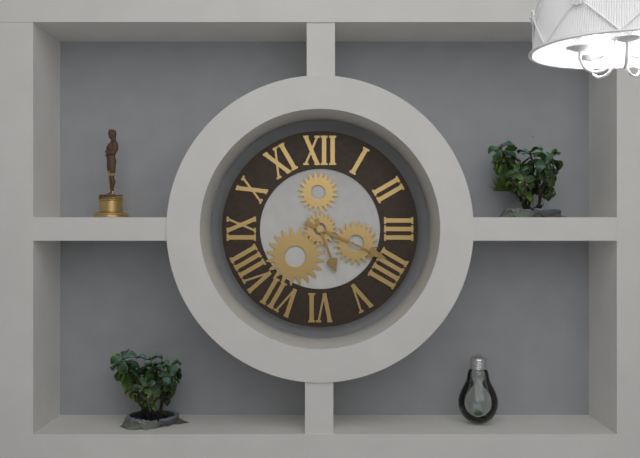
5:19
